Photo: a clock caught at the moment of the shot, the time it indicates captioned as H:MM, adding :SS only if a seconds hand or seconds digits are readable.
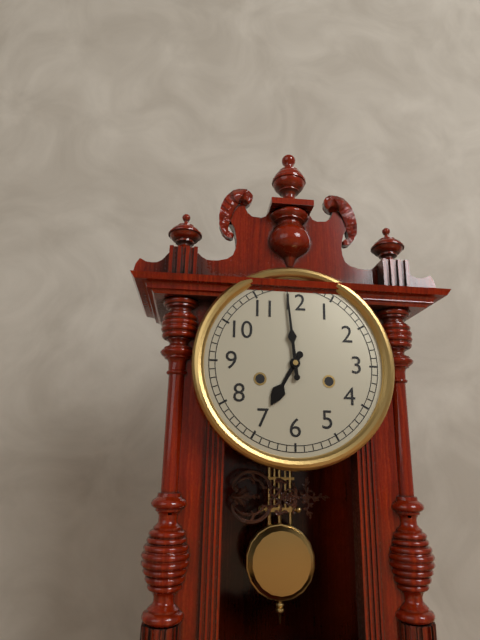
6:59
